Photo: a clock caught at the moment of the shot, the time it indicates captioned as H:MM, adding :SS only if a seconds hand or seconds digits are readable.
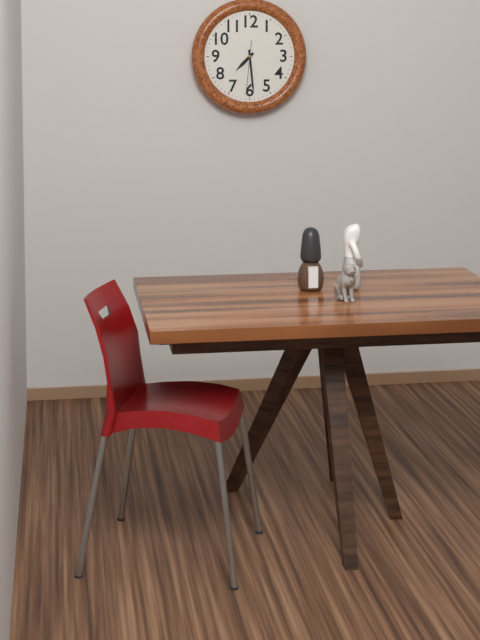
7:29
